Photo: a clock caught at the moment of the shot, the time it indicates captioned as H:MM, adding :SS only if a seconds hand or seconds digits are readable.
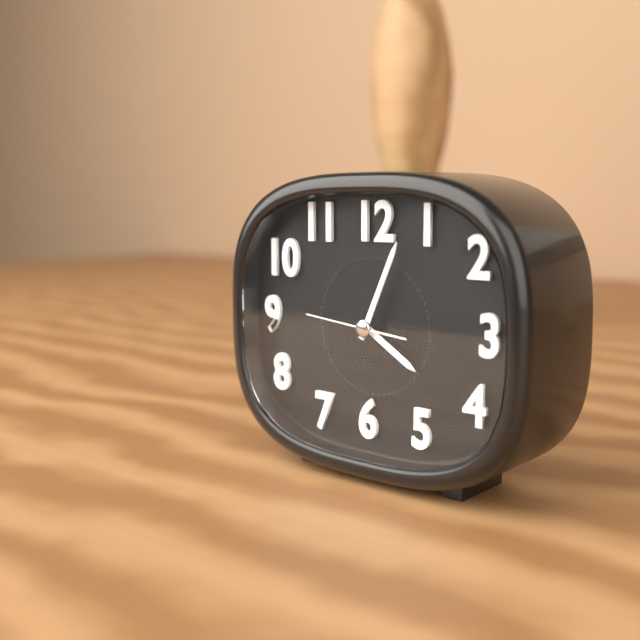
4:04:46
